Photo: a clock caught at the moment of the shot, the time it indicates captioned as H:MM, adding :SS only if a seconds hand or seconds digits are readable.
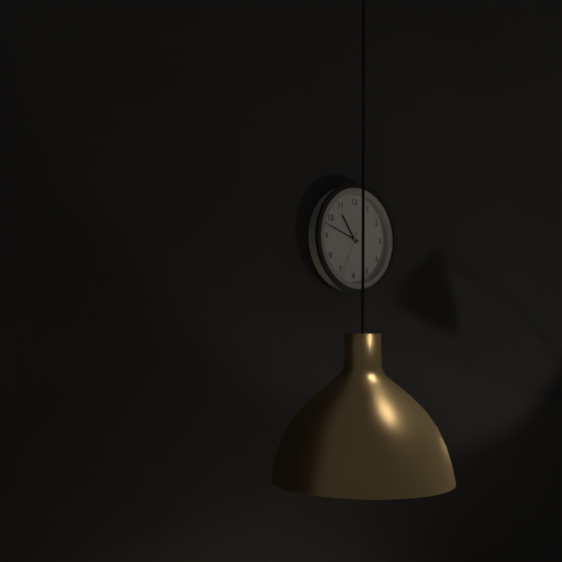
10:48
